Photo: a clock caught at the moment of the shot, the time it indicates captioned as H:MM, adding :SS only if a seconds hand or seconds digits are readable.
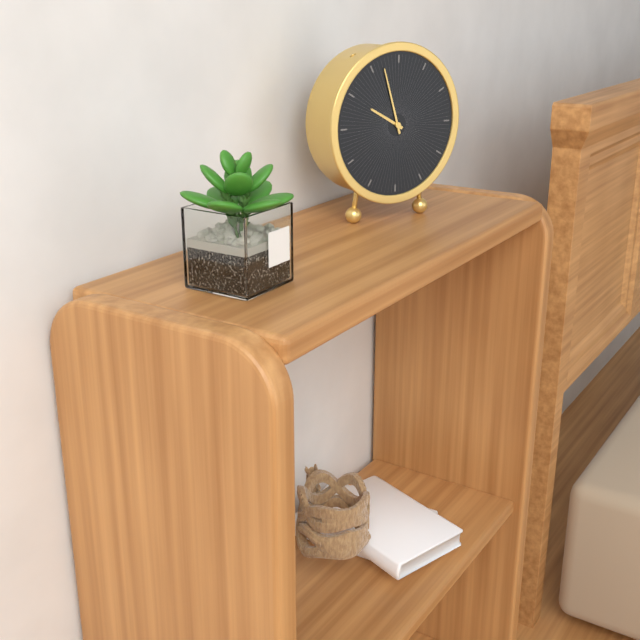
9:57
